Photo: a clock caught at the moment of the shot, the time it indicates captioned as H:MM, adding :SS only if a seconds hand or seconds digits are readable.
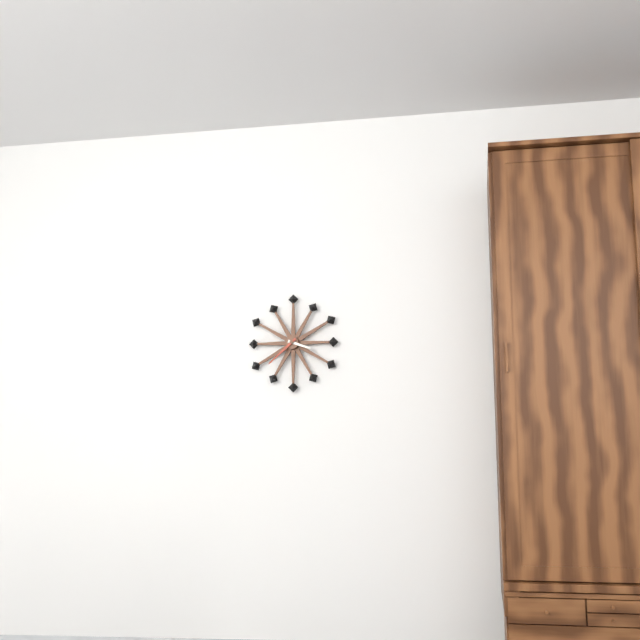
3:38
